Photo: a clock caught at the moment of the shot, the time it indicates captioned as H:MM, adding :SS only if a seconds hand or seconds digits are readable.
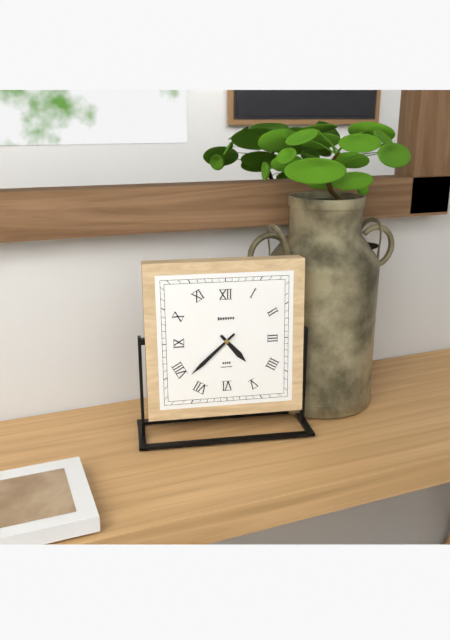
4:38
